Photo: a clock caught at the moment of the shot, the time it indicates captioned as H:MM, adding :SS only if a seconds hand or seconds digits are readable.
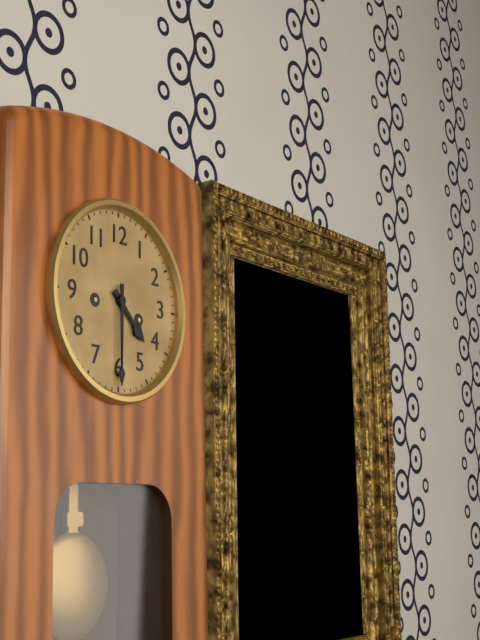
4:30
